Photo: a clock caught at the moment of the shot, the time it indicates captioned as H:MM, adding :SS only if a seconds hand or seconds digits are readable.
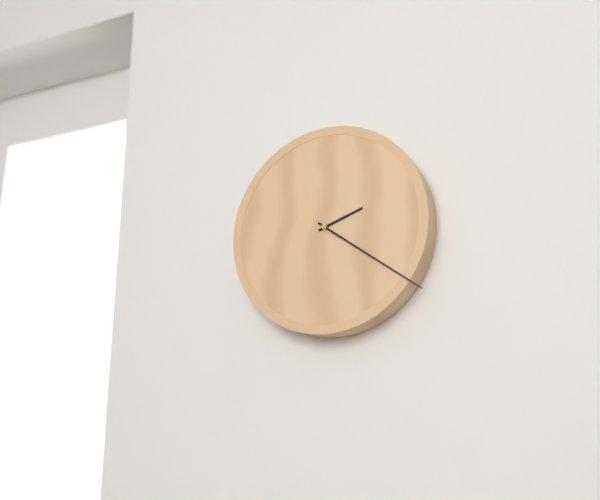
2:21
